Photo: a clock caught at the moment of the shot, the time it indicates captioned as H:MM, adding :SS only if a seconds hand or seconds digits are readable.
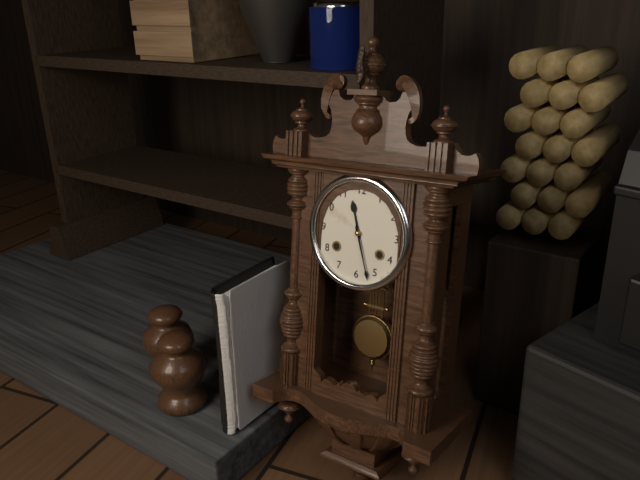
11:27
